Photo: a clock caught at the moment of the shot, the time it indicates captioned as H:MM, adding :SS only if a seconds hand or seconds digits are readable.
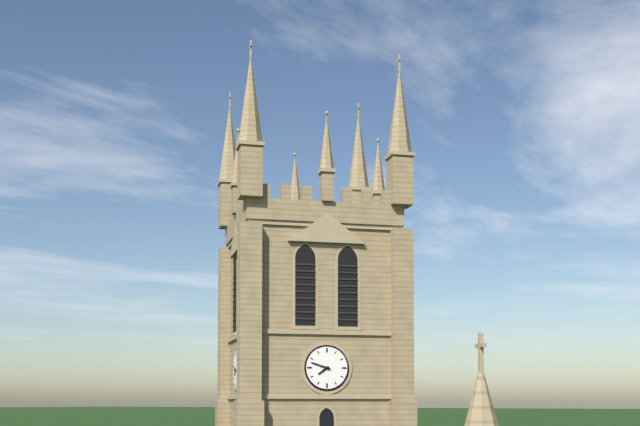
7:48
